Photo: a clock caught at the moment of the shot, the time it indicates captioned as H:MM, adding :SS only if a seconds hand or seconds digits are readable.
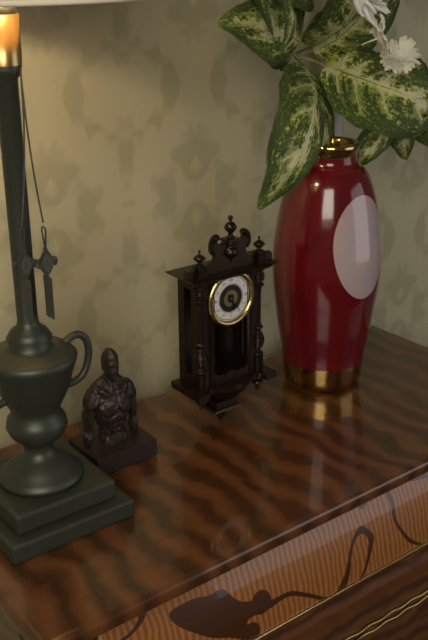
5:24
